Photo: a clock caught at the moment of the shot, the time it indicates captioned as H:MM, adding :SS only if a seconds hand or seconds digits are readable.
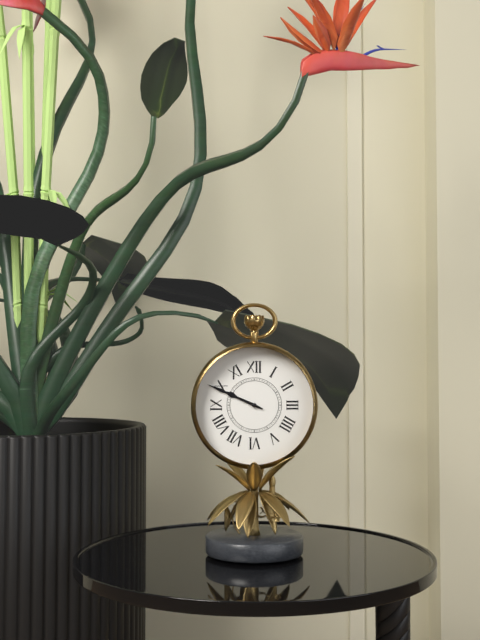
9:49
